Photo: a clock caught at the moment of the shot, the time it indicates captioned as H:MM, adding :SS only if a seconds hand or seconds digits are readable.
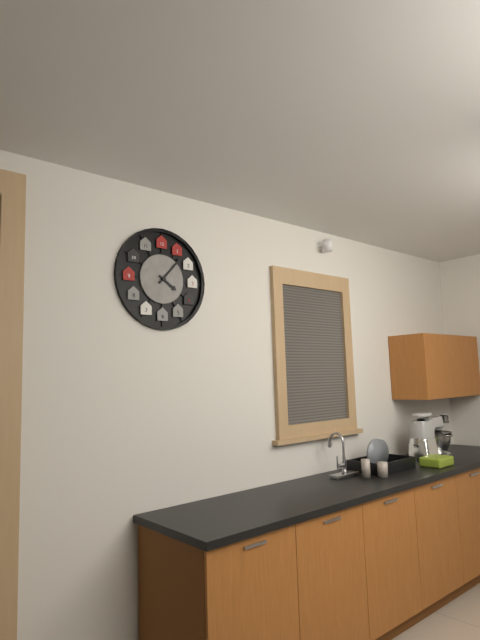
4:07
